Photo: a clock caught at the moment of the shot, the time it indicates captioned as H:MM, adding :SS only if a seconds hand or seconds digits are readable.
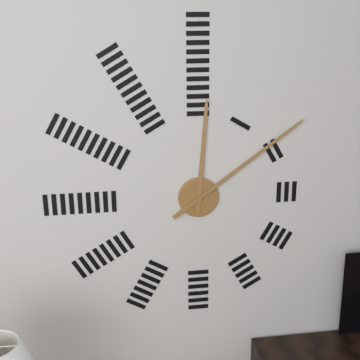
12:09
